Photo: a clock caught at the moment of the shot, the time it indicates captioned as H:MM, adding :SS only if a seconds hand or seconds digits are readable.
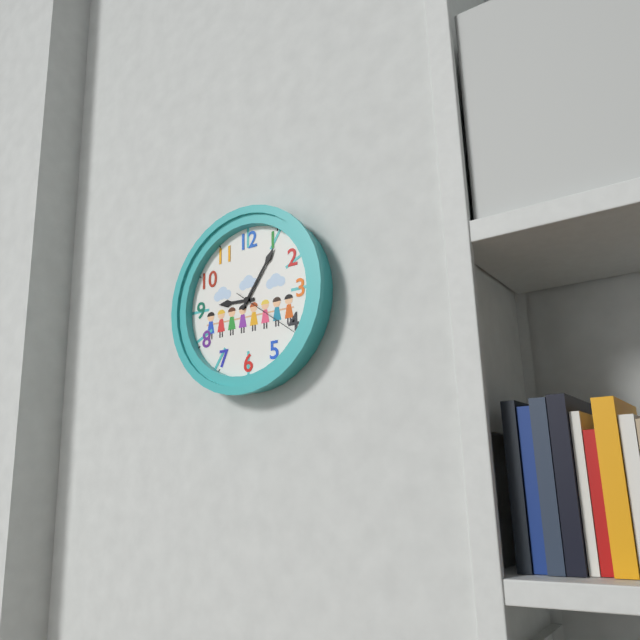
9:06:21
